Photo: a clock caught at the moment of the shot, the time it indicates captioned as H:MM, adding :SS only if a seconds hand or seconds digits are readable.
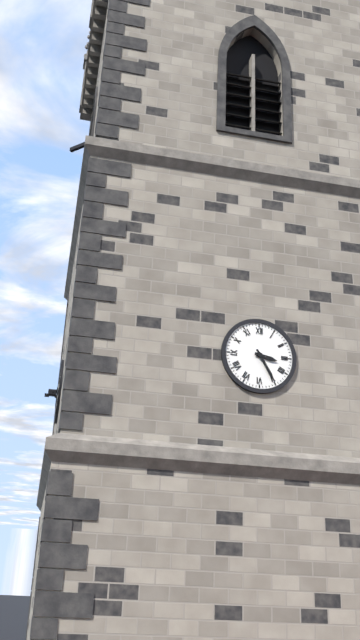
3:25
